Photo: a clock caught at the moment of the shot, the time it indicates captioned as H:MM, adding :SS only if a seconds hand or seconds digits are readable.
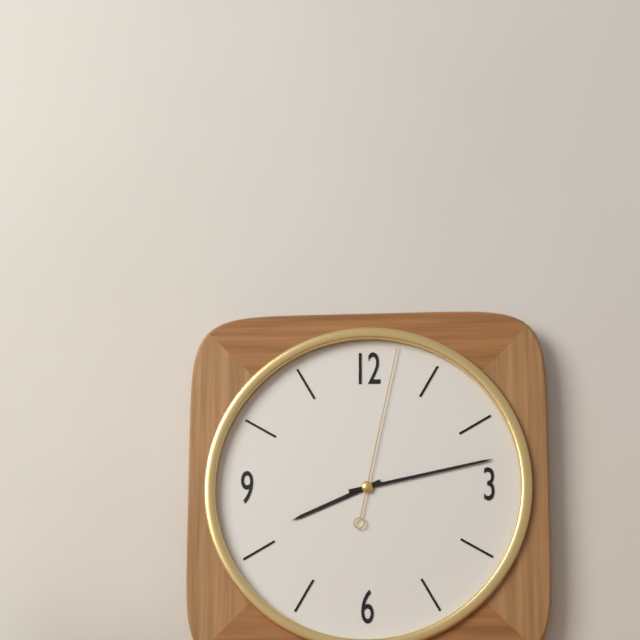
8:13:02
